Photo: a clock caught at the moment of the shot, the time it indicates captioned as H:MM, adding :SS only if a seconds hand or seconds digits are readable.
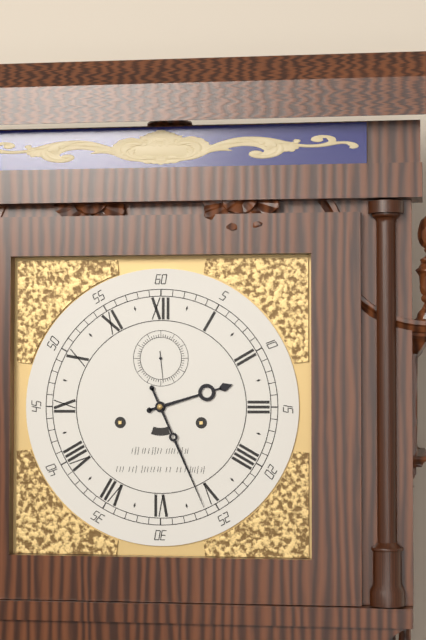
2:26
